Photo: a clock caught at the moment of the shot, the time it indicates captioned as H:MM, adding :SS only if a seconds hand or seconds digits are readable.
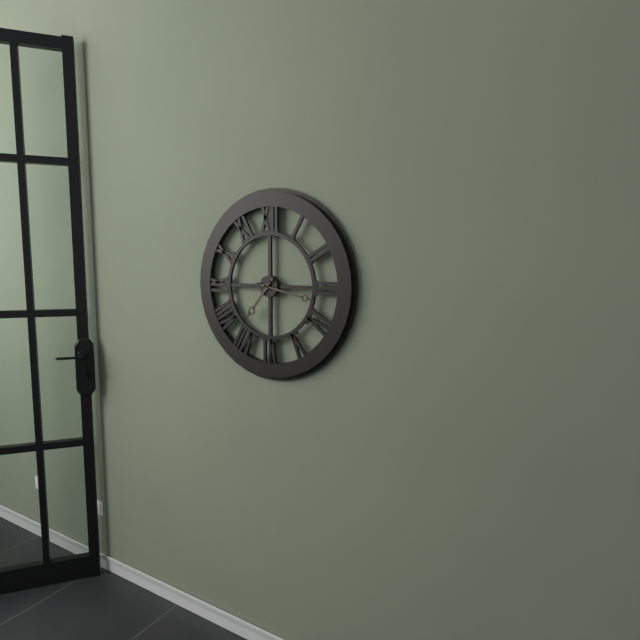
7:17
